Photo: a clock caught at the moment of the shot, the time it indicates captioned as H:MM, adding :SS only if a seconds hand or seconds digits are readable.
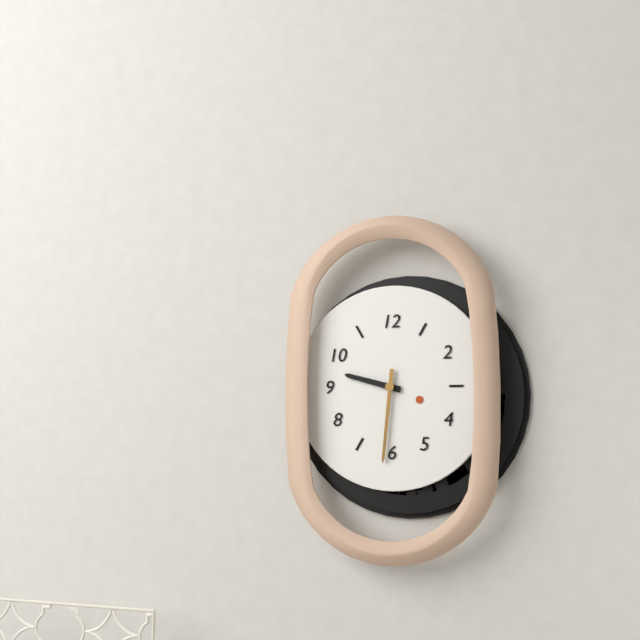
9:31
